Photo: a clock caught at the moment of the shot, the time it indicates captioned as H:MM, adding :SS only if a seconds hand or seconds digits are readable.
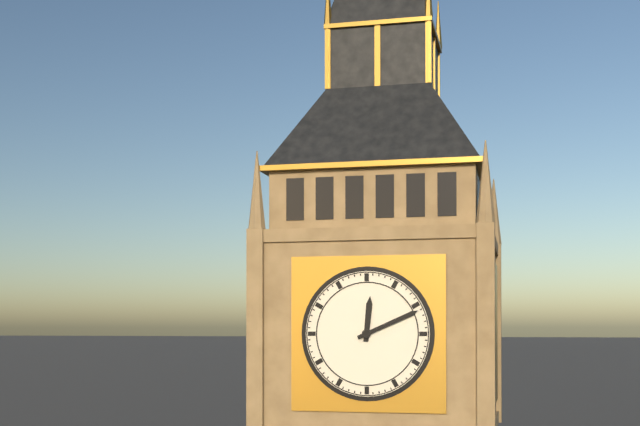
12:11
